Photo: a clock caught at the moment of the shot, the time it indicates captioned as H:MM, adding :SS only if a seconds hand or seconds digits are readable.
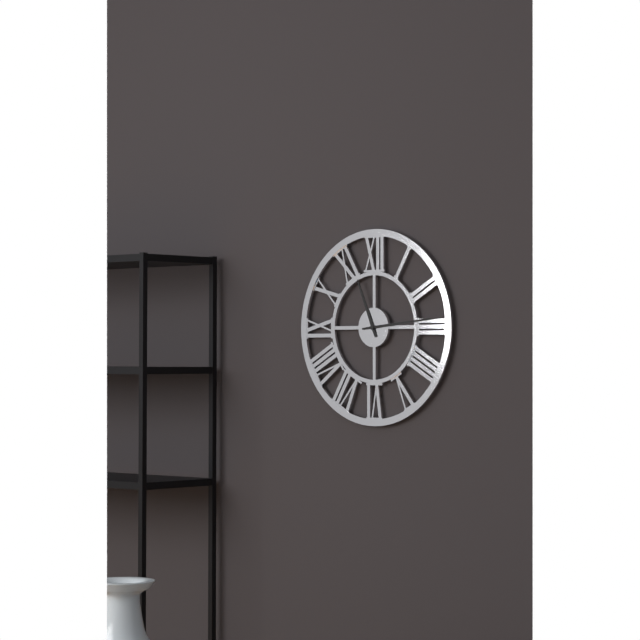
11:14
